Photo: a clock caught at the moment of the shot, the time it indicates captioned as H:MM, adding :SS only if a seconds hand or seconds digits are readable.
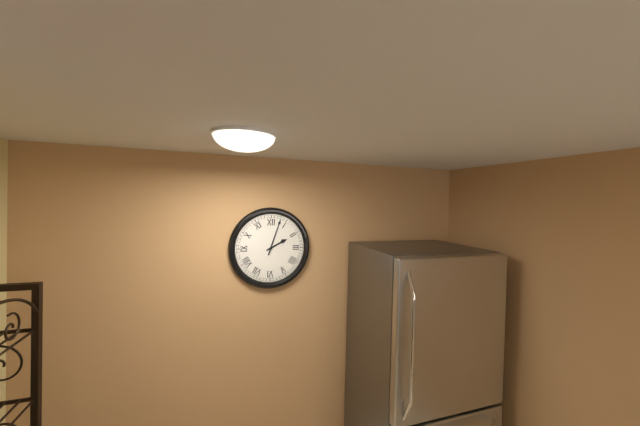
2:03
